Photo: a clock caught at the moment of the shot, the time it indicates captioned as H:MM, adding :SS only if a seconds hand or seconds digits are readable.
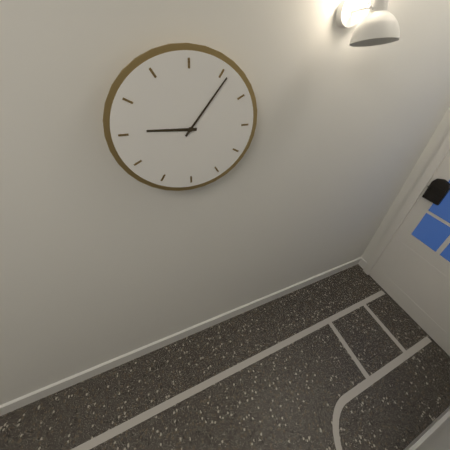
9:06
